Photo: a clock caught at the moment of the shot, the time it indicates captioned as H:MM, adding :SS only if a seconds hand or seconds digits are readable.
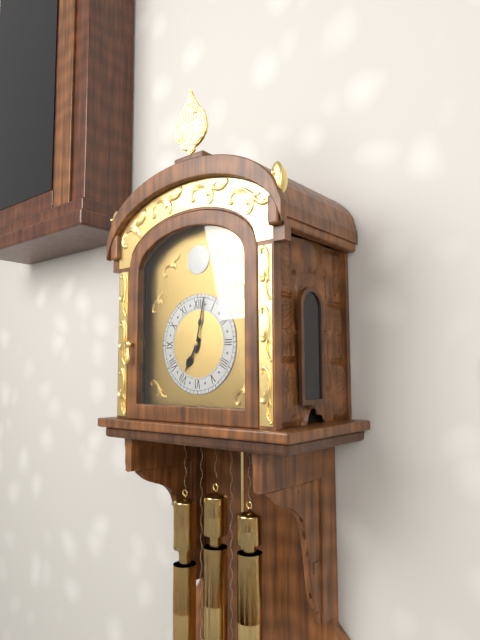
7:02
